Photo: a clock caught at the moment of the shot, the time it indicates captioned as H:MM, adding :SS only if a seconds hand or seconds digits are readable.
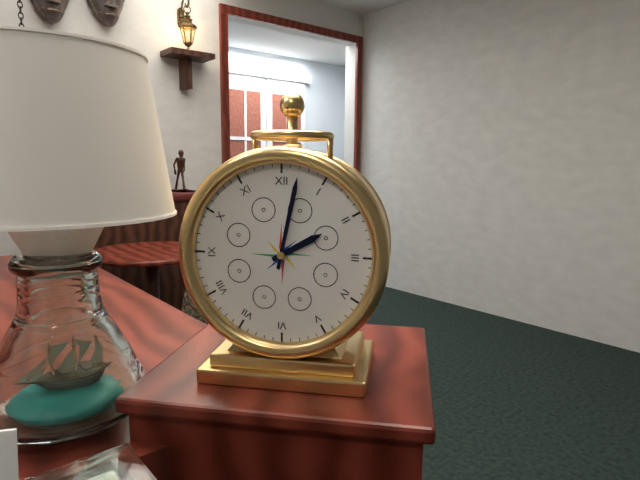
2:02
